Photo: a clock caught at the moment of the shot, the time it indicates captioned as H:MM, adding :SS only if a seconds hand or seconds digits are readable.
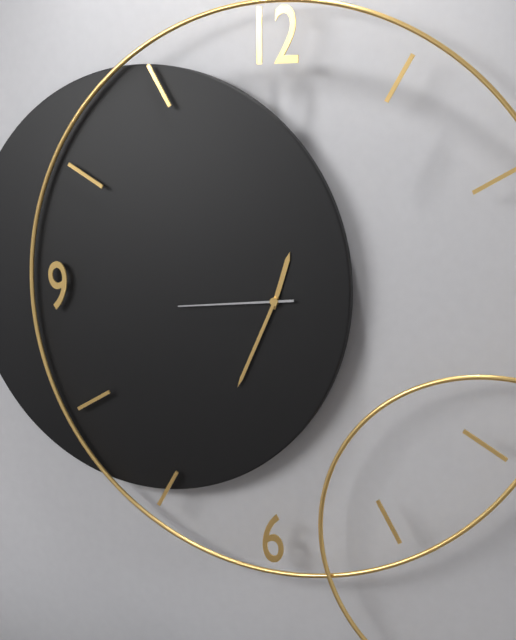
12:34:44
